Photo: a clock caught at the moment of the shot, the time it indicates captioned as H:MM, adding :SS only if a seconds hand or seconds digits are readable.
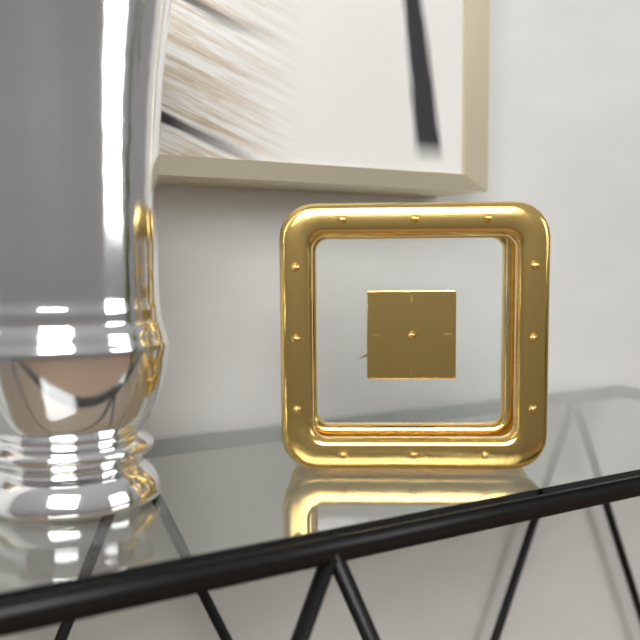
10:41
